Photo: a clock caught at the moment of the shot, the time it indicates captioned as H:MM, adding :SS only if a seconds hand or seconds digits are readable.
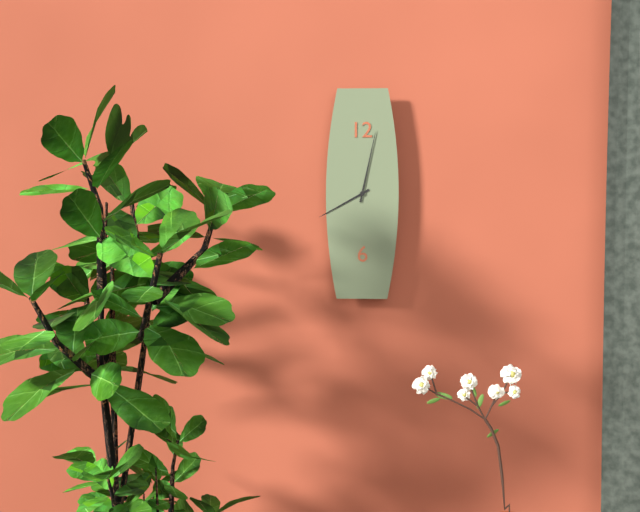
8:02
